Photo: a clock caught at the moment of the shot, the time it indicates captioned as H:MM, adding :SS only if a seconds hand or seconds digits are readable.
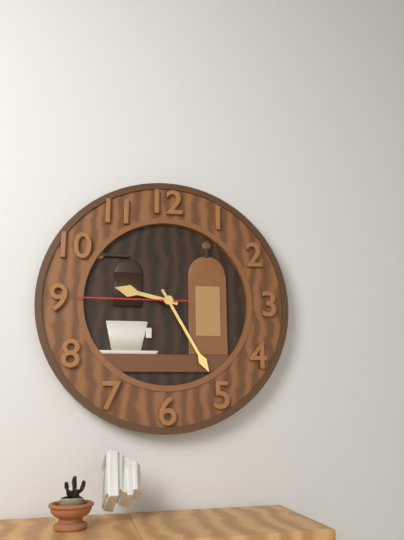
9:25:45
